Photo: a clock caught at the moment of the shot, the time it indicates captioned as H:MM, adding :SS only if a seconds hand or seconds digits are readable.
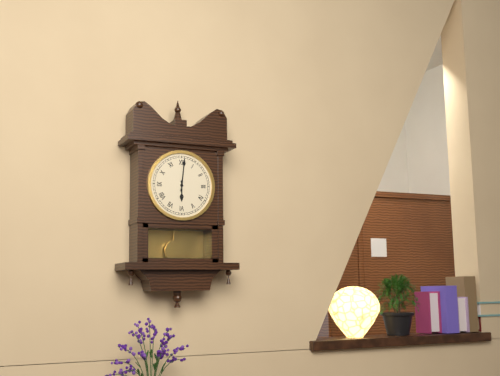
6:01
